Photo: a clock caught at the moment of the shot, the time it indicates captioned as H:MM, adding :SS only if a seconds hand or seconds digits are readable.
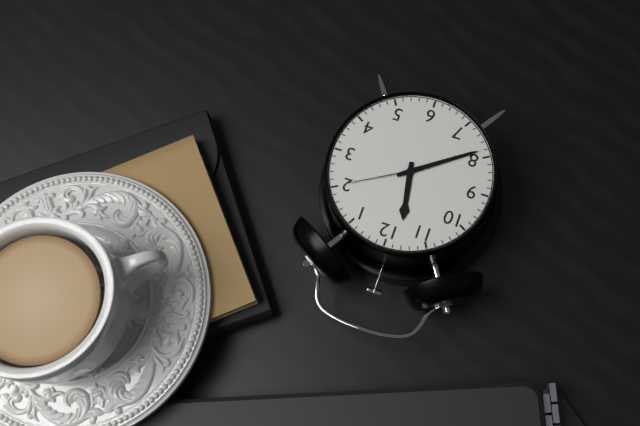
11:39:10
